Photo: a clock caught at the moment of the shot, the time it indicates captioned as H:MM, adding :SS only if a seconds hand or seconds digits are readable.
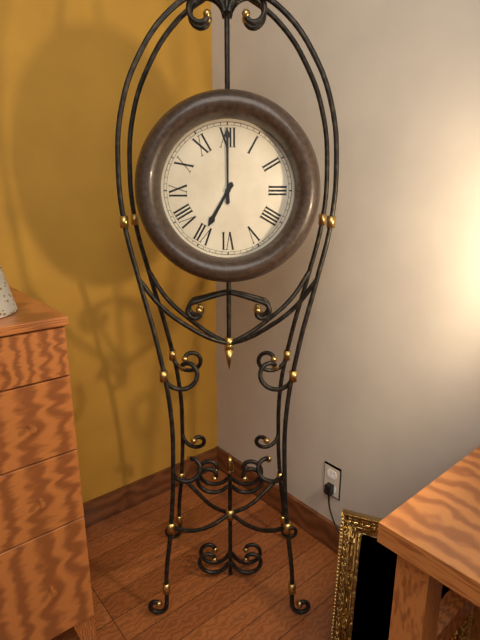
7:00
